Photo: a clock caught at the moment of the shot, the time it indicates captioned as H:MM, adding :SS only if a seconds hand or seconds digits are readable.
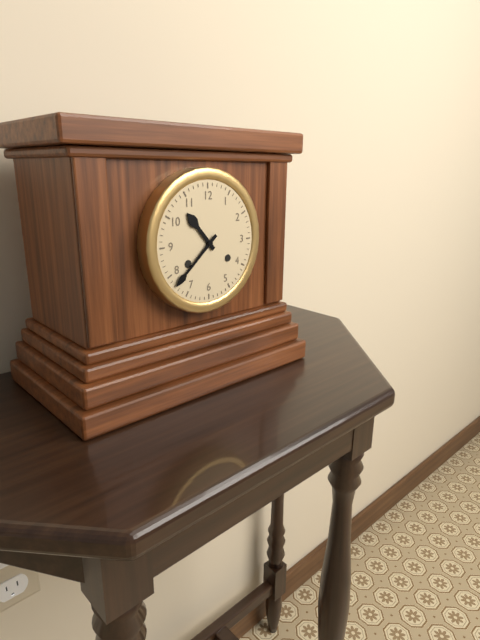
10:38
